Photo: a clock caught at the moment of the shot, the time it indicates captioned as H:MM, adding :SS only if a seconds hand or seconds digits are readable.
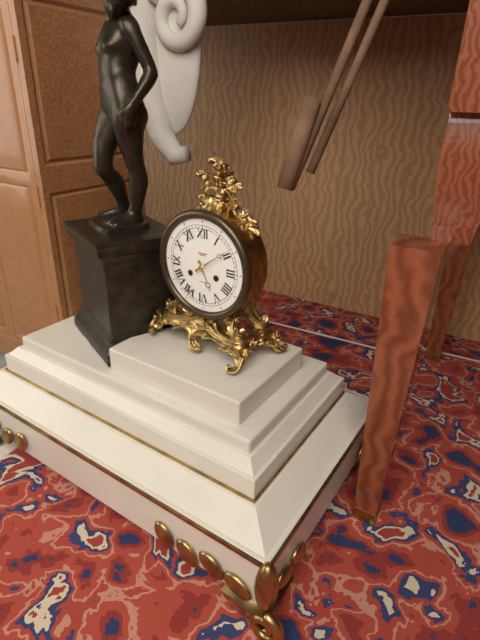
5:09
